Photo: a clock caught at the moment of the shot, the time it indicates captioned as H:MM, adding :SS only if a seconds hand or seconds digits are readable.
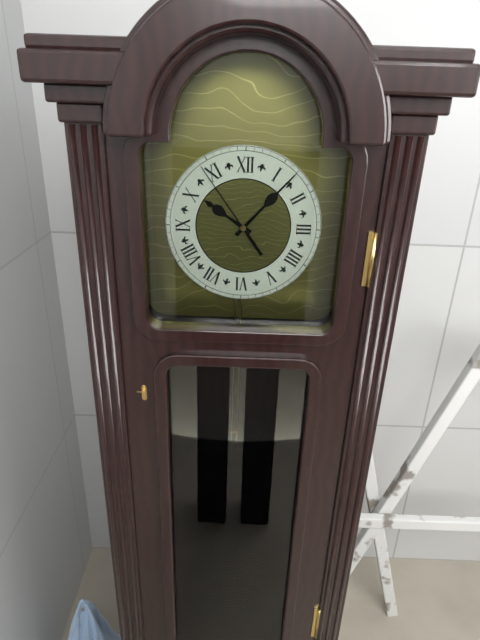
10:07:54
